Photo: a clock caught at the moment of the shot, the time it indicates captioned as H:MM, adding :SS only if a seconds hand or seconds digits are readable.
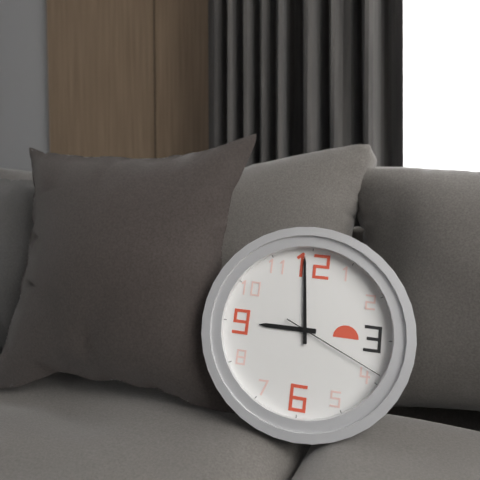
8:59:19
